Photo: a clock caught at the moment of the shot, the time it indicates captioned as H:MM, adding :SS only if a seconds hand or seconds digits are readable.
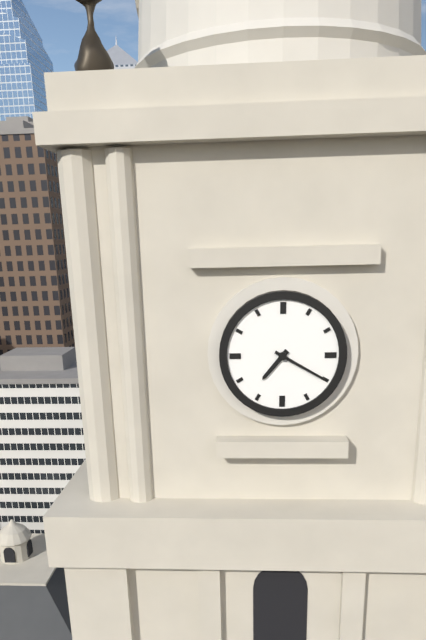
7:20
